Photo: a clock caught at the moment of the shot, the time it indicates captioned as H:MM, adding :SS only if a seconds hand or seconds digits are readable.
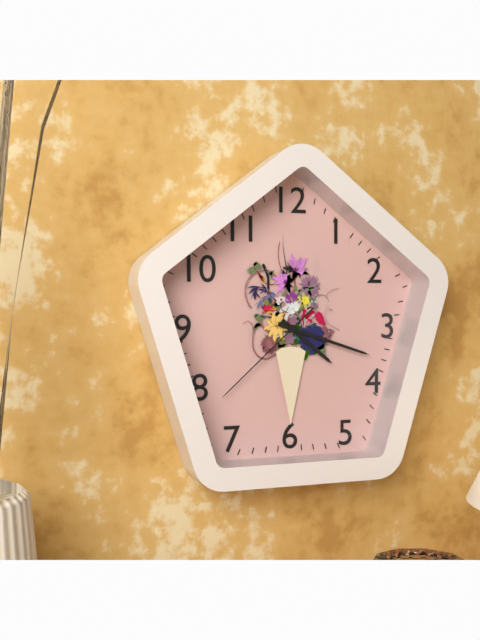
4:18:38
